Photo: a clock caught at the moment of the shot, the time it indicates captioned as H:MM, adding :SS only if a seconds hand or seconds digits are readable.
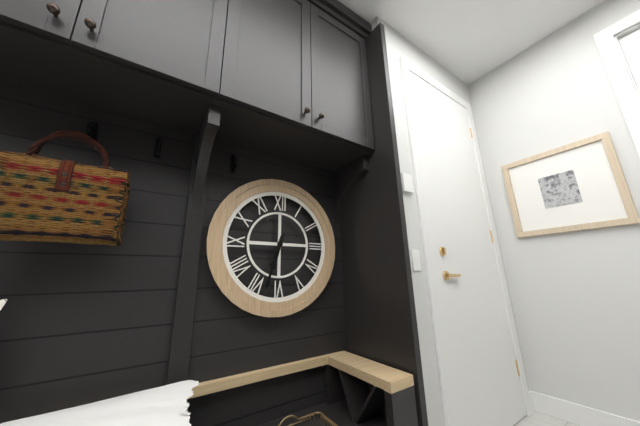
6:33
